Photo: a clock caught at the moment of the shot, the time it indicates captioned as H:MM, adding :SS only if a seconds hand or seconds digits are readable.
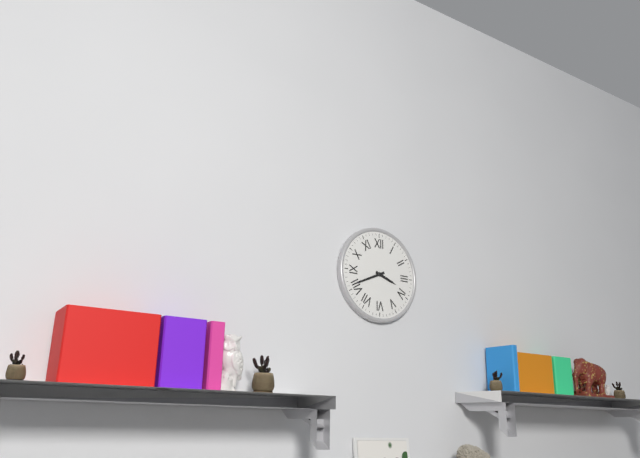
3:41
